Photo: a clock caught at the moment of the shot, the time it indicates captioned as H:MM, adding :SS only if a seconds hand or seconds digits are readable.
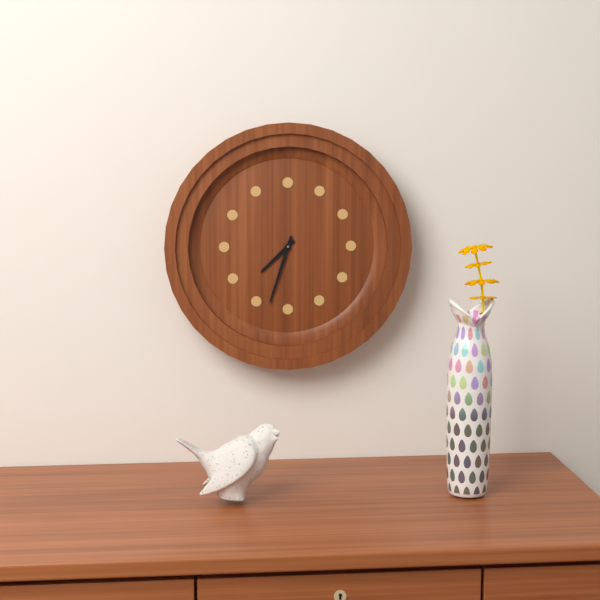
7:33
